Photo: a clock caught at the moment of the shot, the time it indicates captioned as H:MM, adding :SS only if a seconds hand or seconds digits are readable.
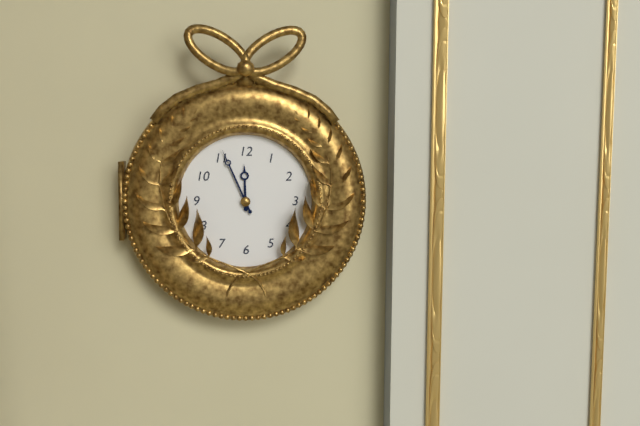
11:56
